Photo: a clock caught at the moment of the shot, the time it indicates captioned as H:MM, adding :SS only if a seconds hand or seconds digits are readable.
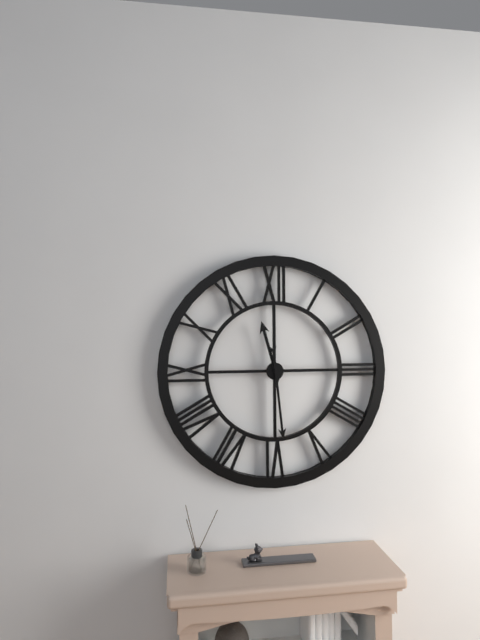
11:29
